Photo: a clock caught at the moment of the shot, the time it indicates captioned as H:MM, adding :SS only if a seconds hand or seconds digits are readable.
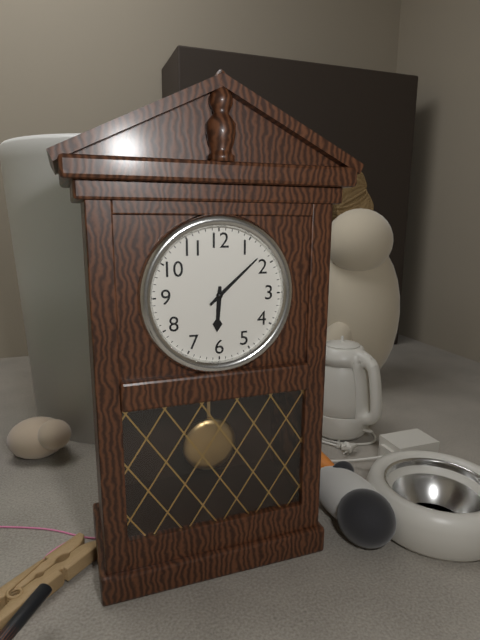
6:08
